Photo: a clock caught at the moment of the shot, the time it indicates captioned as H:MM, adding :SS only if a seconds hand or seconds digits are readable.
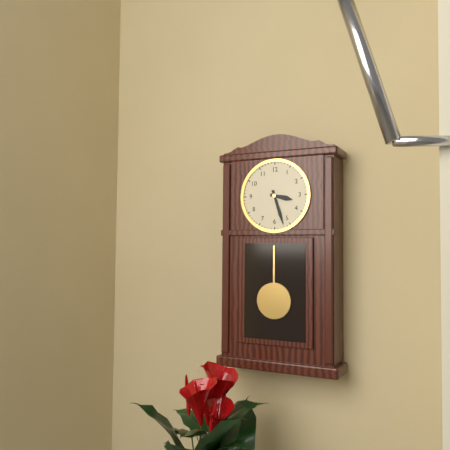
3:27
